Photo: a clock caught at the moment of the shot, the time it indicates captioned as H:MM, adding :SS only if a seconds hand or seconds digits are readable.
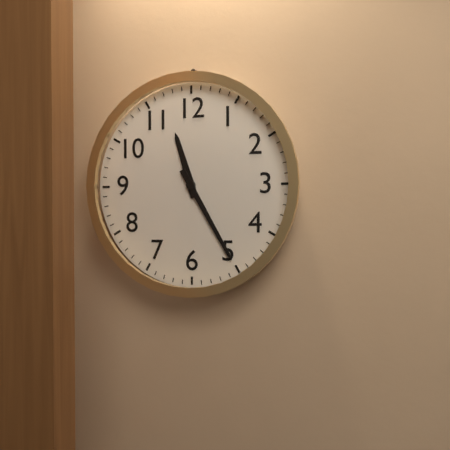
11:25
